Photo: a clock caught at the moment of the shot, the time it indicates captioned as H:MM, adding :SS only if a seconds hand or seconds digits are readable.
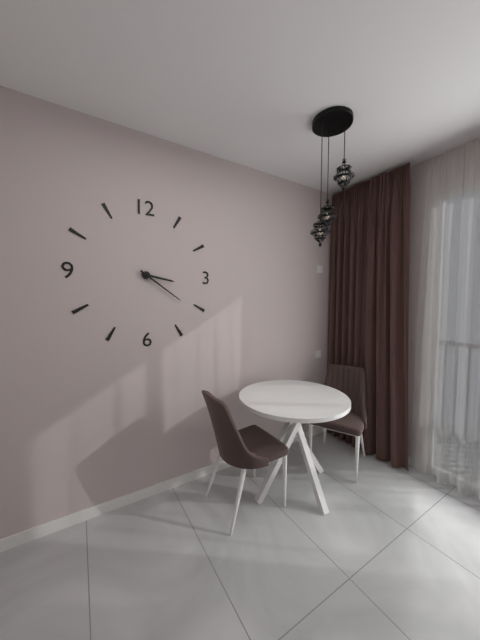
3:21
